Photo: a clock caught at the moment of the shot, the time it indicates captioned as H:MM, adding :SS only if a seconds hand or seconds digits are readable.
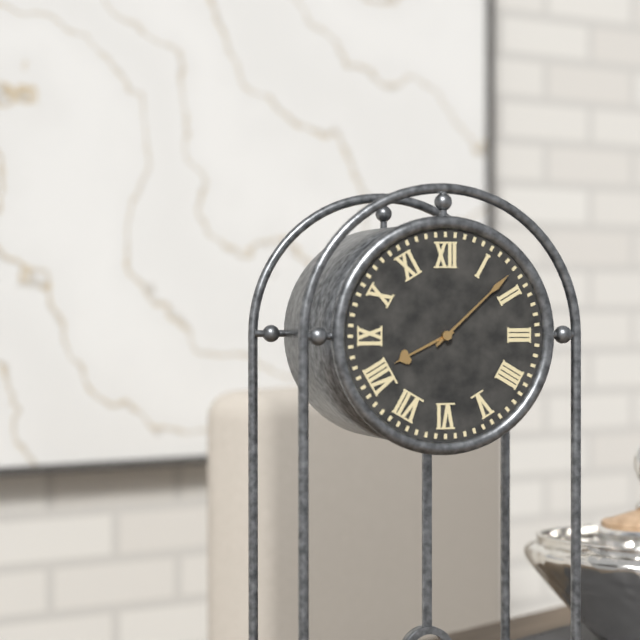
8:08
